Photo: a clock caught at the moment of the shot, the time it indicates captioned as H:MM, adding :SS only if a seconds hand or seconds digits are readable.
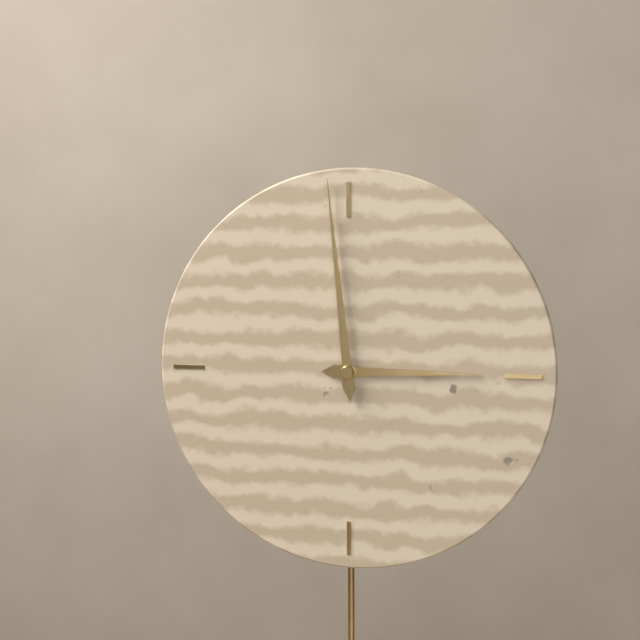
2:59
